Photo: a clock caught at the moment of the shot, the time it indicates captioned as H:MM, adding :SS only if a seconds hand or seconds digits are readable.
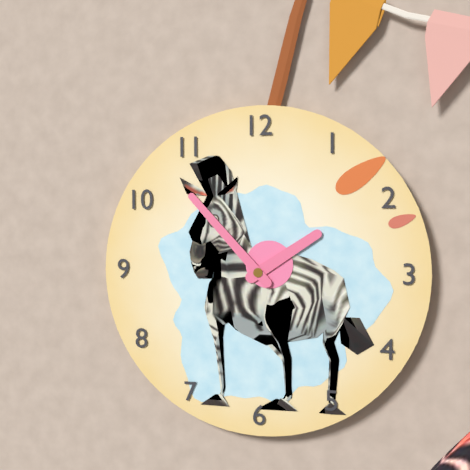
1:53
